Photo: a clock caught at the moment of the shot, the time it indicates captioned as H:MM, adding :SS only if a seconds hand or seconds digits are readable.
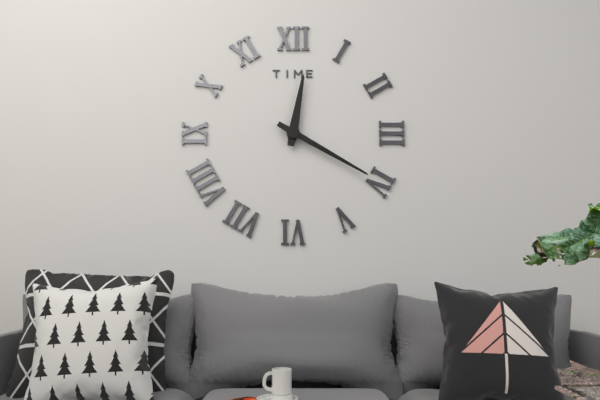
12:20
